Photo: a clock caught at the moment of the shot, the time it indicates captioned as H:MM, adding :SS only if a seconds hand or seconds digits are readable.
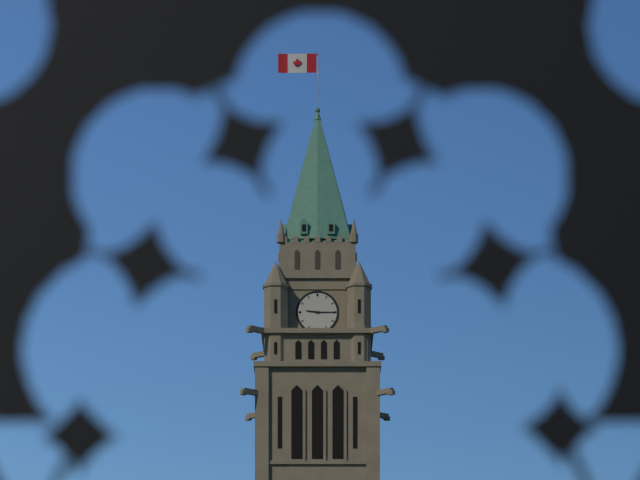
9:15
